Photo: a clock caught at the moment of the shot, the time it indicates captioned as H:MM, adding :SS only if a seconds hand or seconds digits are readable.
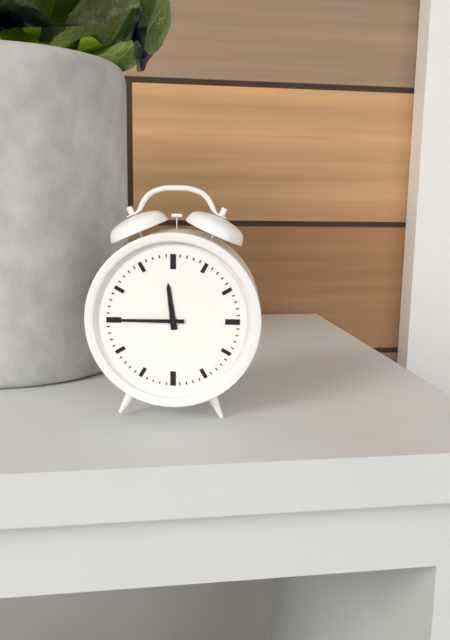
11:45
